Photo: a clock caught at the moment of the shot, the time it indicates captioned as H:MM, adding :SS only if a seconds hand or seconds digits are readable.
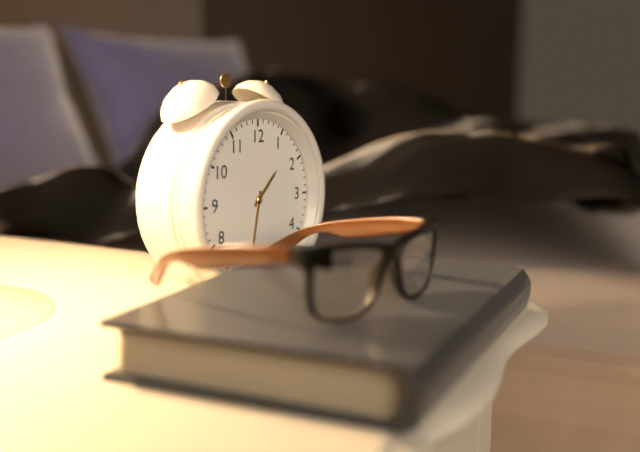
1:32
